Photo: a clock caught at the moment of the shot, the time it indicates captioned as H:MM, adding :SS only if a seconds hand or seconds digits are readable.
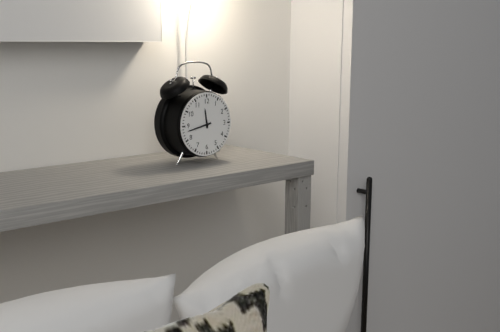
11:43
